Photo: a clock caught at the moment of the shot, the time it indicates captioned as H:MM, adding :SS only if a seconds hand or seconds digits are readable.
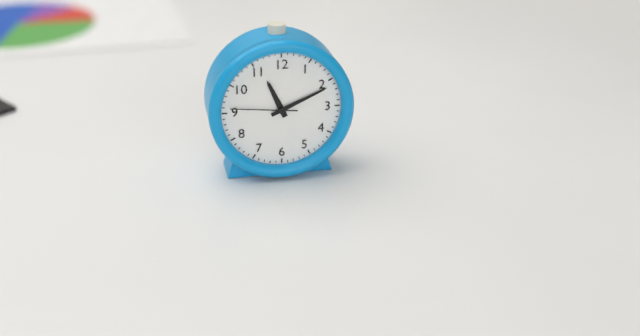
11:11:46
